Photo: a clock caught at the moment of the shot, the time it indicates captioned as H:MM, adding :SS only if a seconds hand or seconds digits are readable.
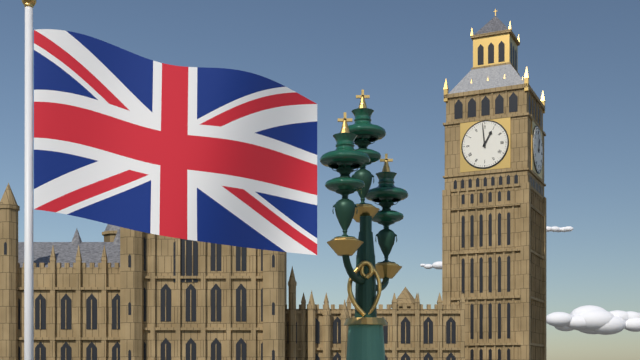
12:59
